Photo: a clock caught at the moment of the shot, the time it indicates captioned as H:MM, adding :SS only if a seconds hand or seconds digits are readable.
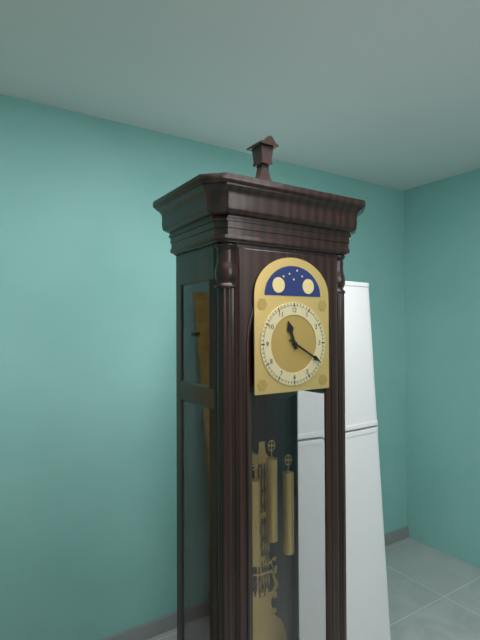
11:20
